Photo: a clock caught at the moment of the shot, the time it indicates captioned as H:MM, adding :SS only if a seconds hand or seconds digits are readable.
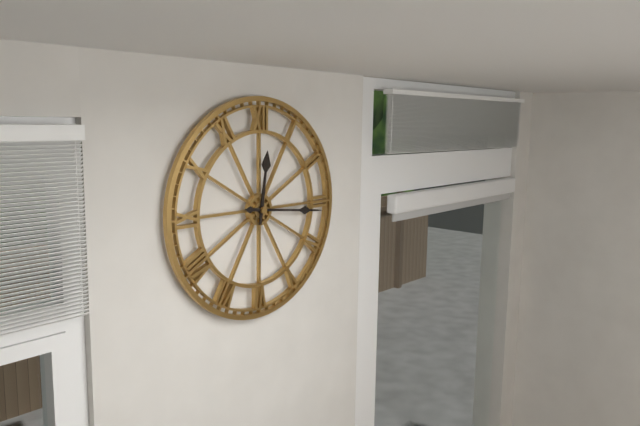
12:16
